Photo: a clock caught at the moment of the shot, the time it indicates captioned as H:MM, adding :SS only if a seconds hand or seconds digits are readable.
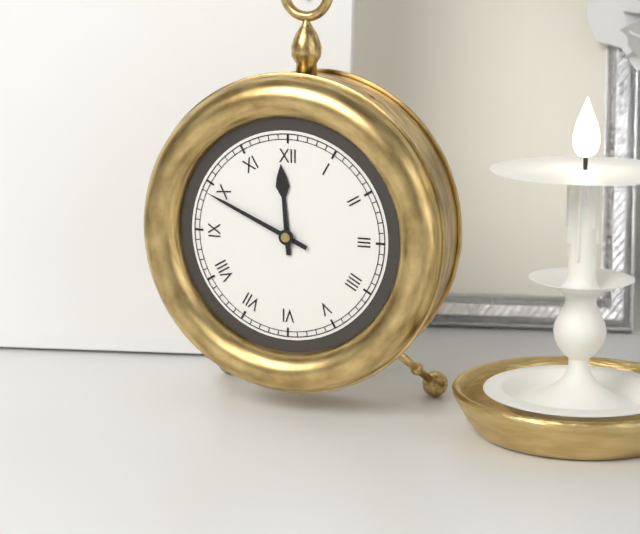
11:49
